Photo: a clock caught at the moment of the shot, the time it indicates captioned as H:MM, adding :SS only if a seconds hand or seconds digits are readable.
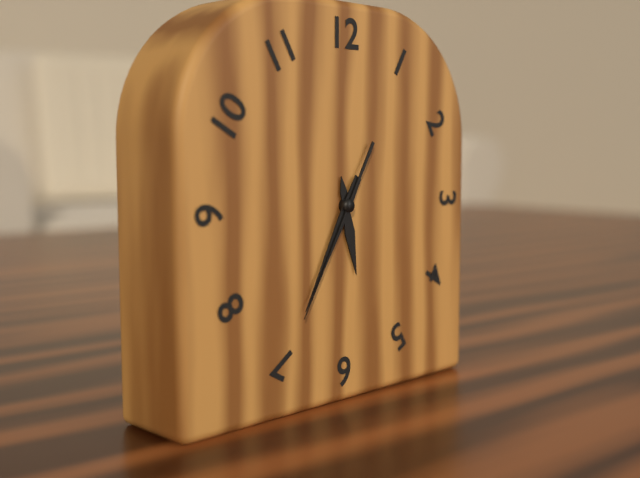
5:35:35
